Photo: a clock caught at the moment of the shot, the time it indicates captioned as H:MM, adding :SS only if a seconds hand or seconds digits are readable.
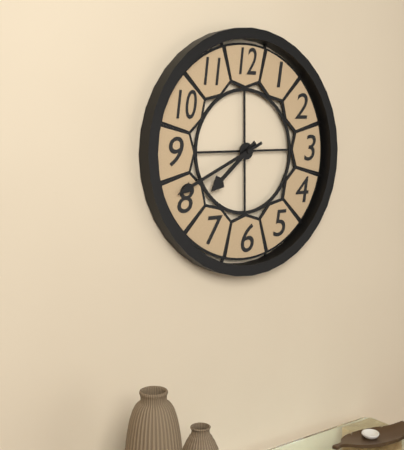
7:41
